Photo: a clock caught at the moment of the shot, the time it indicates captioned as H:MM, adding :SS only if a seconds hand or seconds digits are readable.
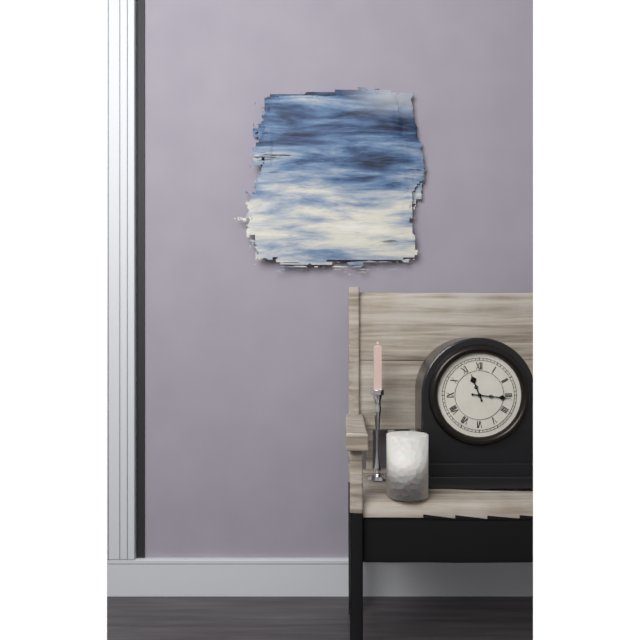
11:16
